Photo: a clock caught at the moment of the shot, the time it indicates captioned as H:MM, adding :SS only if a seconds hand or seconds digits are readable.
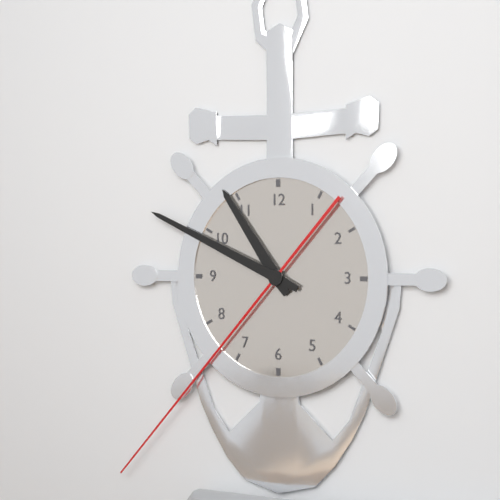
10:49:37
